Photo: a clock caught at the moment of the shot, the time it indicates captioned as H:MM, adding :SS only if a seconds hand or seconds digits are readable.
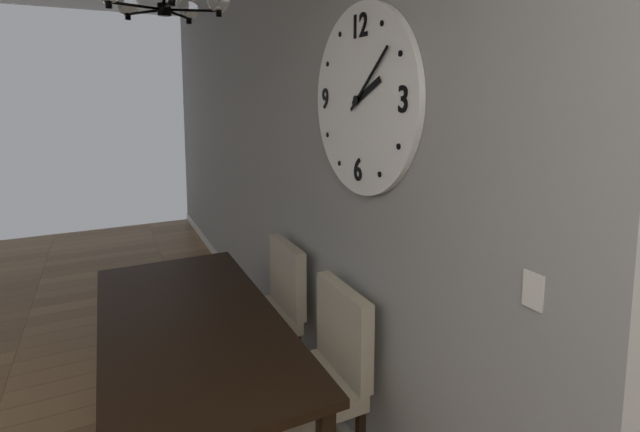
2:08
